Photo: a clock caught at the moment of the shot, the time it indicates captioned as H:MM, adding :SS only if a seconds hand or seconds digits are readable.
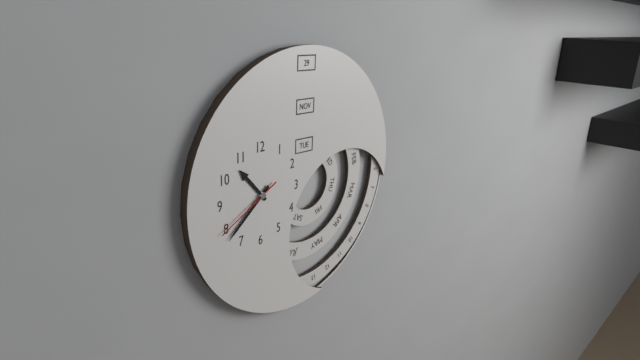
10:38:40
